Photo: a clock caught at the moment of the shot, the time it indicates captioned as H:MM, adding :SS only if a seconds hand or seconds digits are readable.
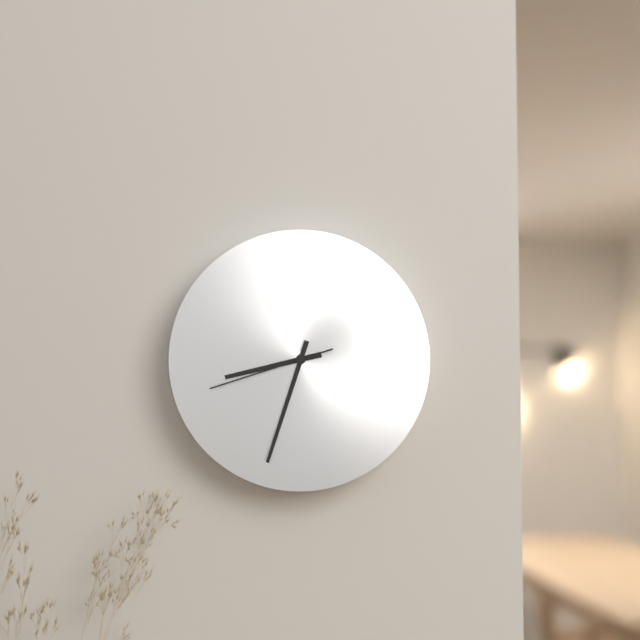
8:33:42
